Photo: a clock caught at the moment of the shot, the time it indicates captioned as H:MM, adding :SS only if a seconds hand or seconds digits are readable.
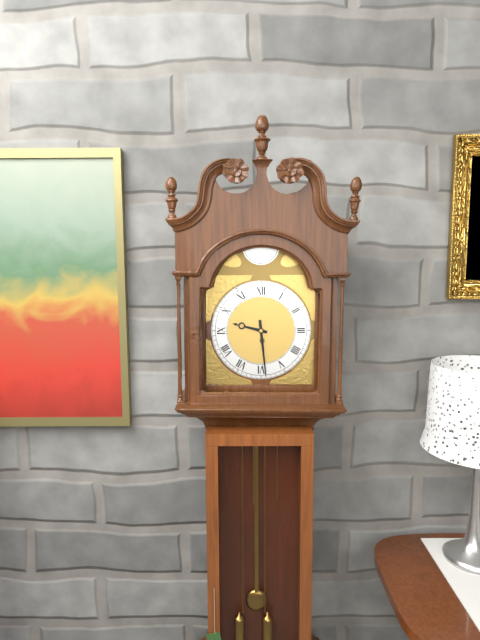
9:29
